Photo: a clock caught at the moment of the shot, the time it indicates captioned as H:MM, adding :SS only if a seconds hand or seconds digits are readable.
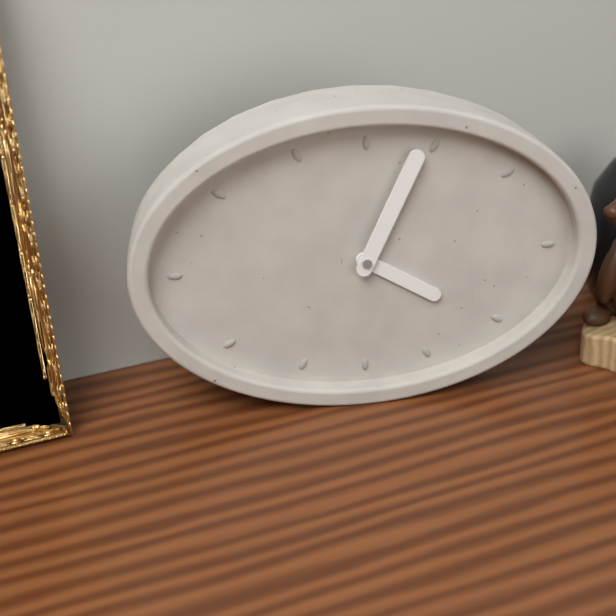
4:04
